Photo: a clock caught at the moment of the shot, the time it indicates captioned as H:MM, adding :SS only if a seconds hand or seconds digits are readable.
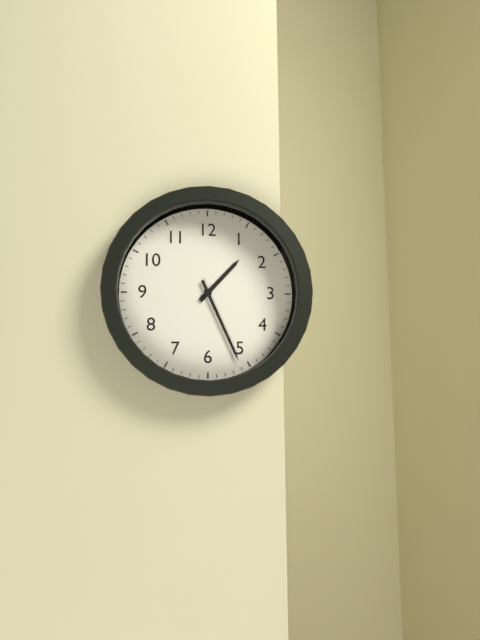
1:26
